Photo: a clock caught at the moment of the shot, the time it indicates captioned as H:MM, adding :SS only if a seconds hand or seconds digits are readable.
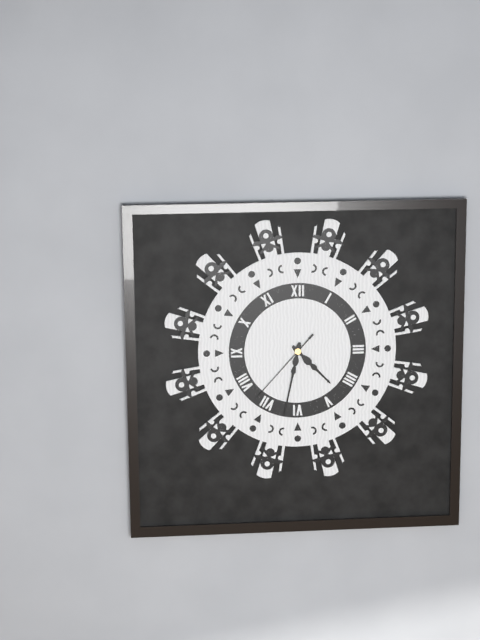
4:32:37
